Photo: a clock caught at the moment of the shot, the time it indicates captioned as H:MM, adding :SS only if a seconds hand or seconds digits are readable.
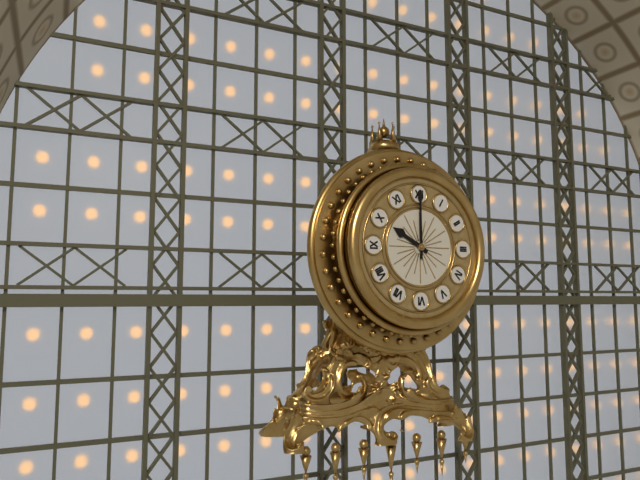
10:00
